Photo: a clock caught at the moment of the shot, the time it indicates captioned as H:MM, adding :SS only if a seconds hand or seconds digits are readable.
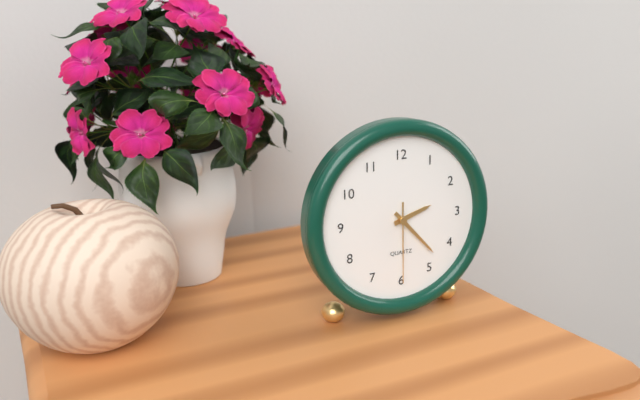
2:23:30
